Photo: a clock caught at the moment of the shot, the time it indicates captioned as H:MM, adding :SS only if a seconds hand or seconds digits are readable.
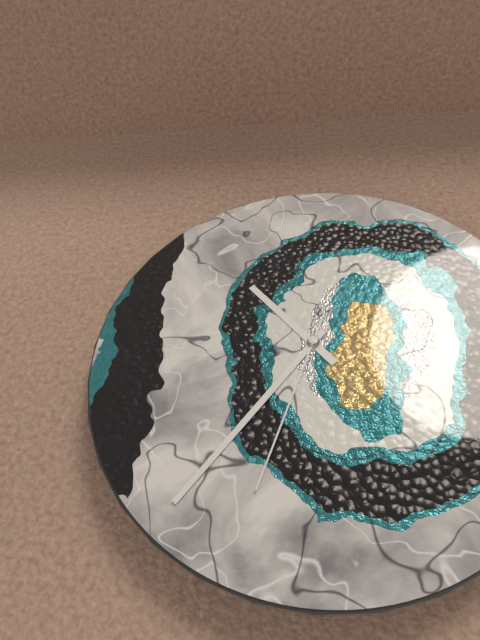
10:36:33
